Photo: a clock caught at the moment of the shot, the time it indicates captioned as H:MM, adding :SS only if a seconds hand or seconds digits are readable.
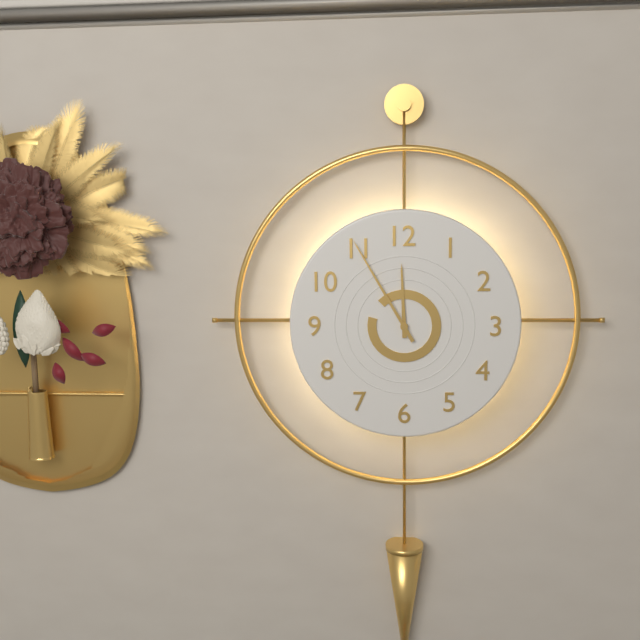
11:55
